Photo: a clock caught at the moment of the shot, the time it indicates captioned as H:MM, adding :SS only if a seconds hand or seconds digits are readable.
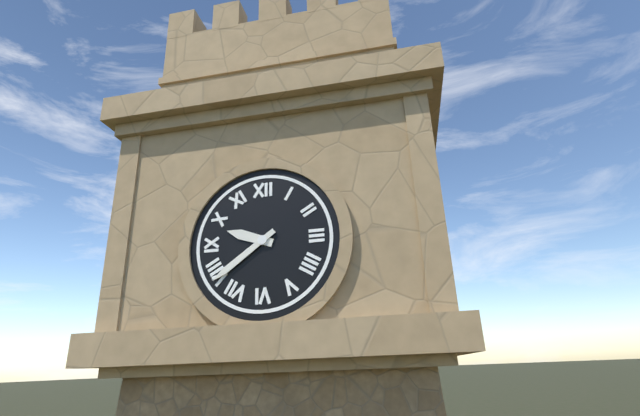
9:39
